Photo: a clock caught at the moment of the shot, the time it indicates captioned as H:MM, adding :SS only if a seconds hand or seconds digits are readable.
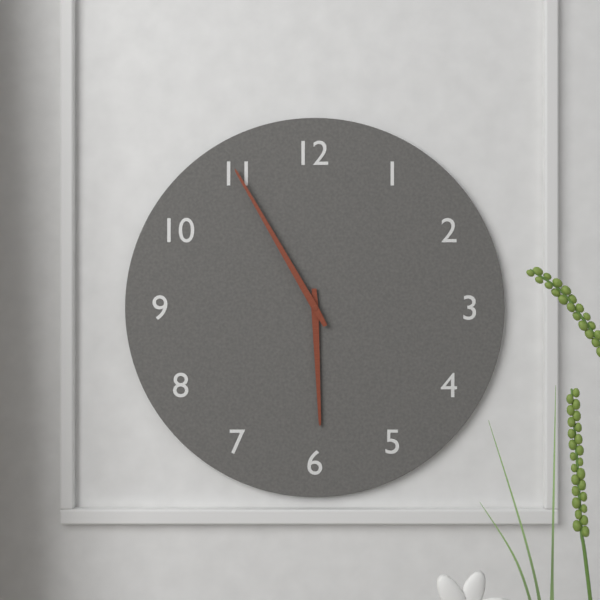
5:55
